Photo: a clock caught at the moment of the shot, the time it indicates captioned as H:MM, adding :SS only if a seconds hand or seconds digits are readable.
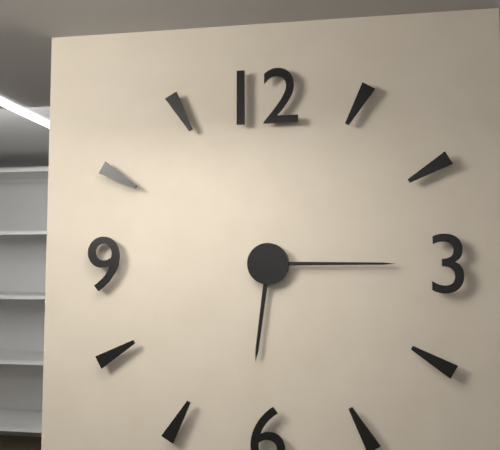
6:15
